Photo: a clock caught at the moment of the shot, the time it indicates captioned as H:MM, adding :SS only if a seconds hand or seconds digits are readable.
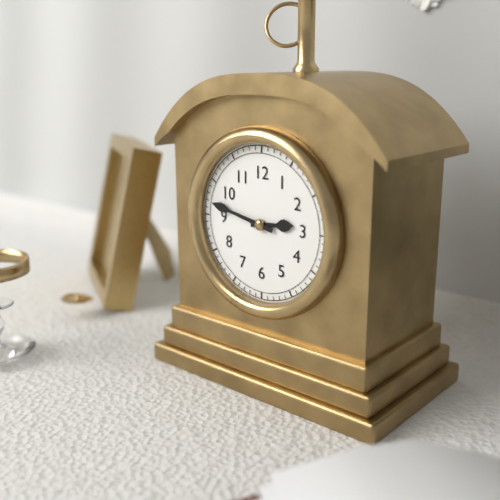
2:47
